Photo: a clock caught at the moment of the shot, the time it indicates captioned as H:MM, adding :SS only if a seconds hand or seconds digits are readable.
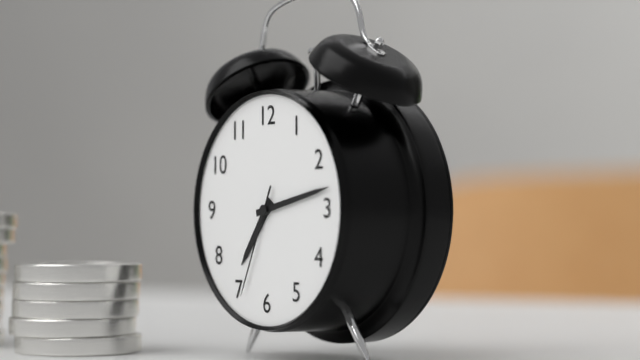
7:13:34
